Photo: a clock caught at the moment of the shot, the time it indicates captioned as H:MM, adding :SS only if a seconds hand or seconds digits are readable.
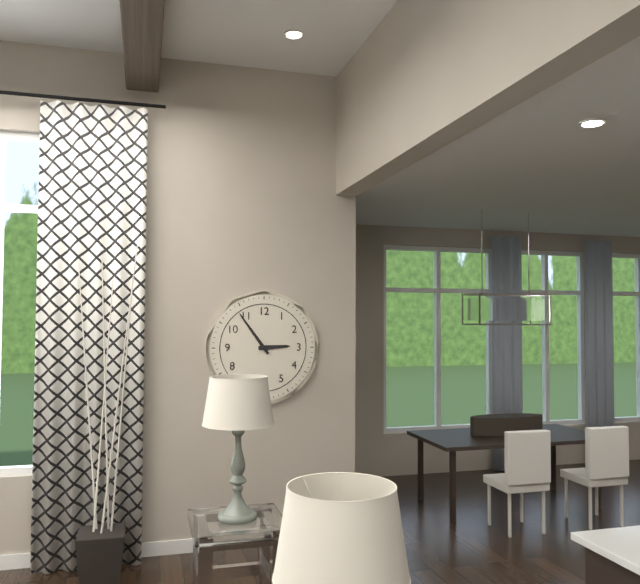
2:54
